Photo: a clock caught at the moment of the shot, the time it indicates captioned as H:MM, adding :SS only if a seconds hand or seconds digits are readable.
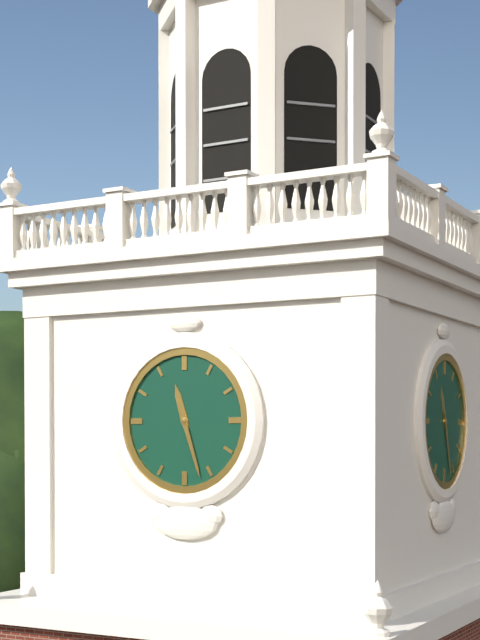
11:27
